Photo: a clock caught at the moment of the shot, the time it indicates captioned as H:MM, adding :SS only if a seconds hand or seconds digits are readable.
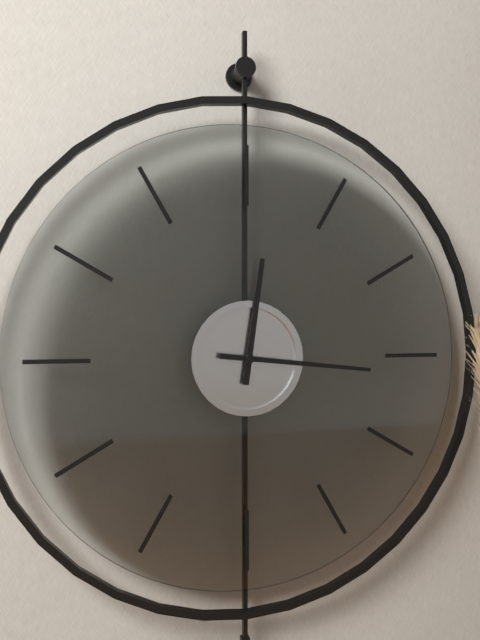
12:16
